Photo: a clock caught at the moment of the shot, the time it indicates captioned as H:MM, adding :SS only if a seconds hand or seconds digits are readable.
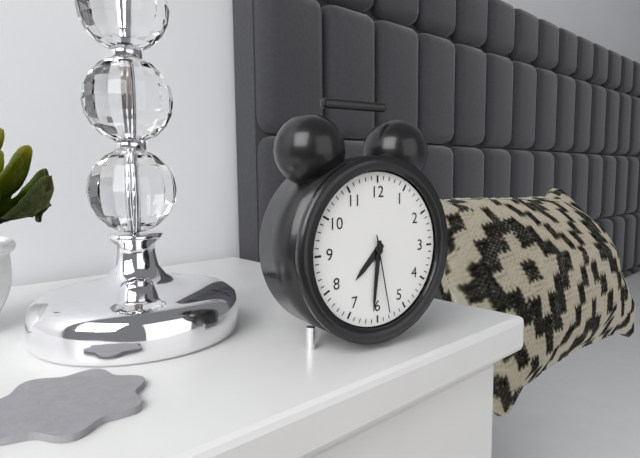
7:31:28
